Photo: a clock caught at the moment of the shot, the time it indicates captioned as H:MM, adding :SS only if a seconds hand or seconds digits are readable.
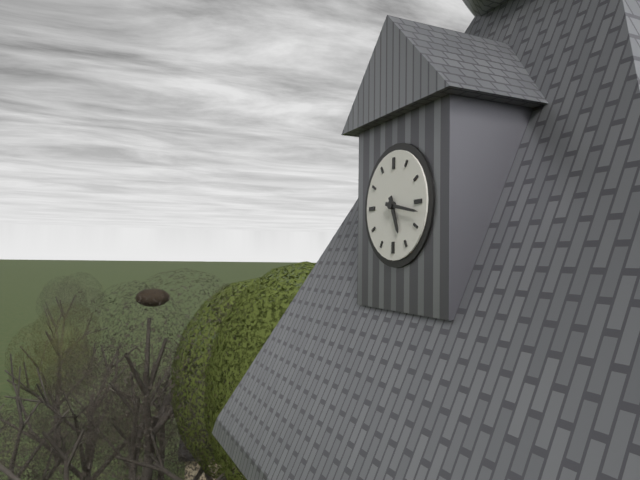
5:17
